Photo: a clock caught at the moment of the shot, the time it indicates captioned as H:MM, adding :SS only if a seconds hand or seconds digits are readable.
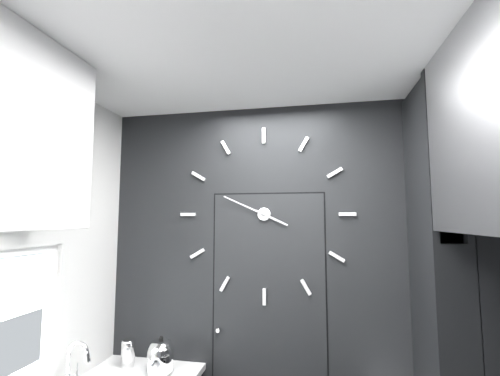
3:49
